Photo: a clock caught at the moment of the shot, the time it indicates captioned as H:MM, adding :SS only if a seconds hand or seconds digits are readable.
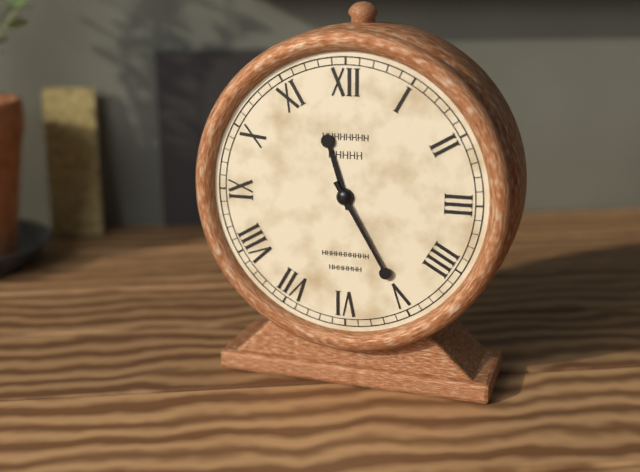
11:25
